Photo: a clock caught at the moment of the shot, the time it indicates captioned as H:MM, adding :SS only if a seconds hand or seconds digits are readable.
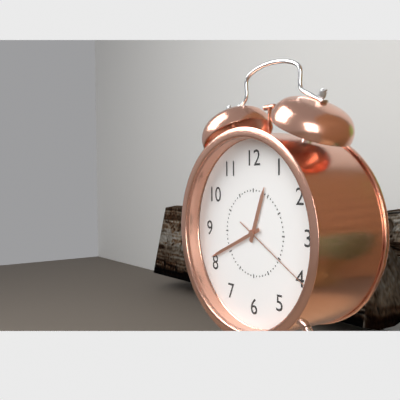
12:41:20
